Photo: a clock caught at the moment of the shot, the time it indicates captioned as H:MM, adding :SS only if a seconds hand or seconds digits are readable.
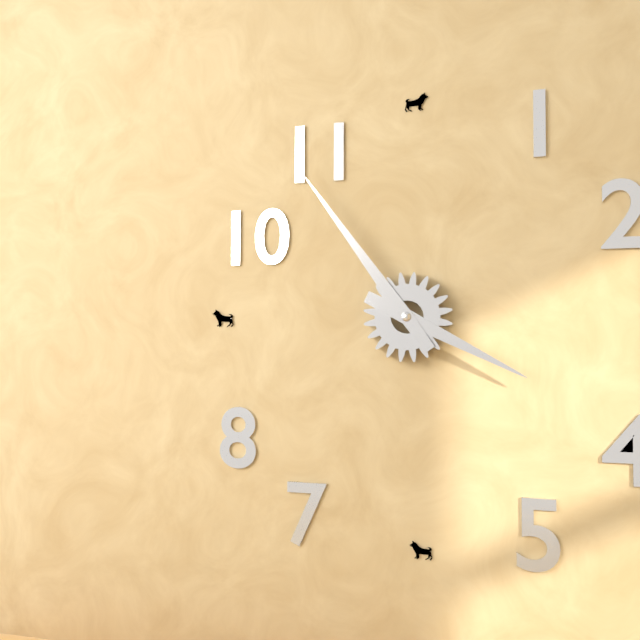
3:54
